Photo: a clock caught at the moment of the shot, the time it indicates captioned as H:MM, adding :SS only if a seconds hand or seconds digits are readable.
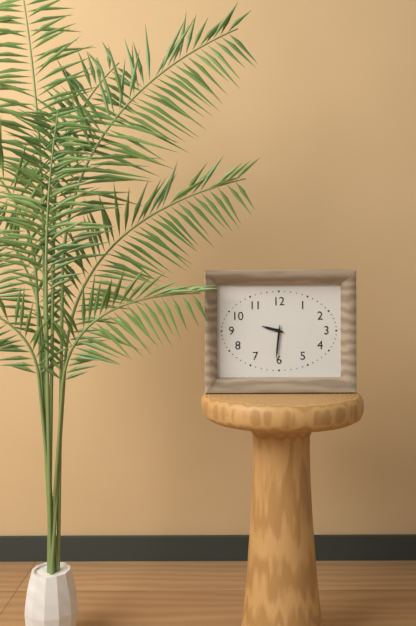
9:31
